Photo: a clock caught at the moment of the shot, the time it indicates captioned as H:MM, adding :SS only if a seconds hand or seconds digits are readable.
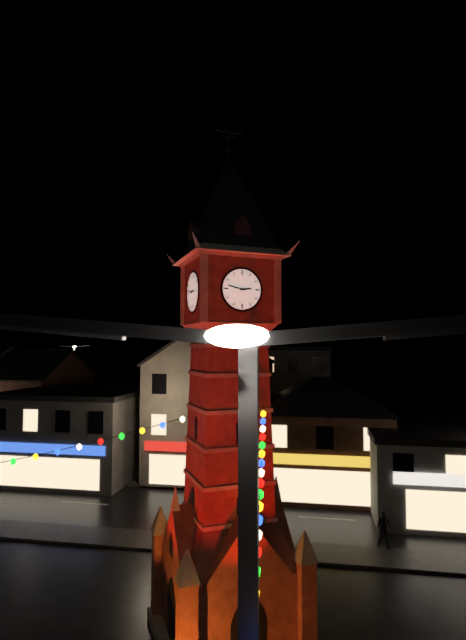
2:47
